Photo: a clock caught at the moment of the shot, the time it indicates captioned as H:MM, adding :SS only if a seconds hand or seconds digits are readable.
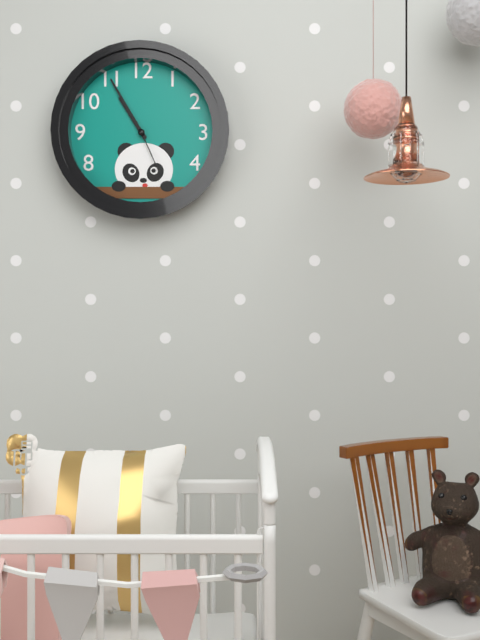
10:55:26
